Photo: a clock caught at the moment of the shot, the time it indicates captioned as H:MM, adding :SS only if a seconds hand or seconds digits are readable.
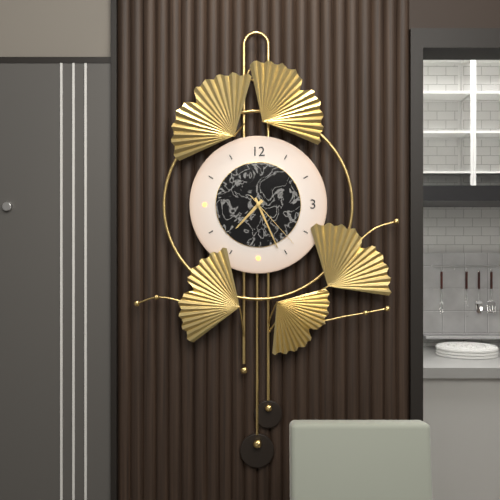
7:26:23
